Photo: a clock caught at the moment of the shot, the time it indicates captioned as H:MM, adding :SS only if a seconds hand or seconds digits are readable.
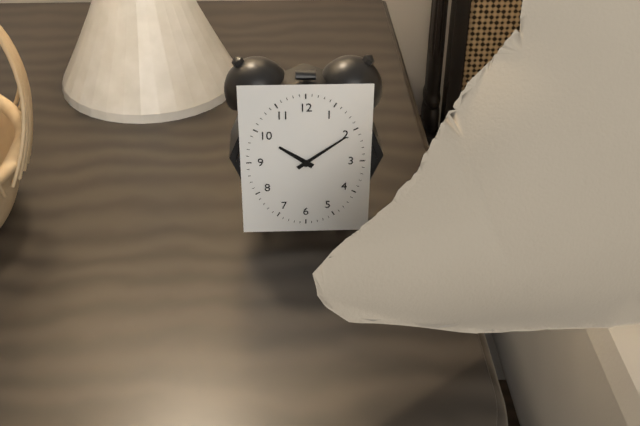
10:09
